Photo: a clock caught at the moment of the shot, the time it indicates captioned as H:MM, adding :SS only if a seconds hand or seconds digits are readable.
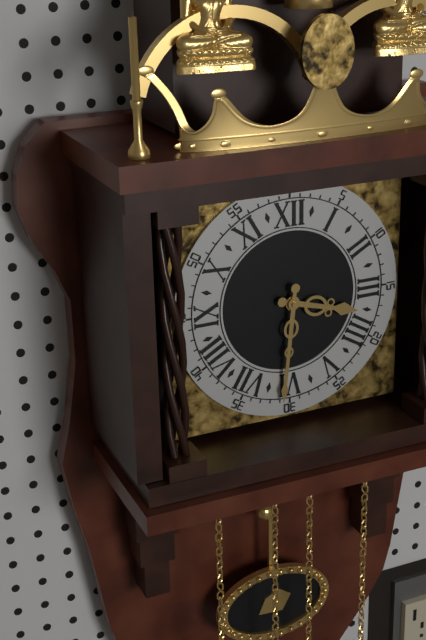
3:31
